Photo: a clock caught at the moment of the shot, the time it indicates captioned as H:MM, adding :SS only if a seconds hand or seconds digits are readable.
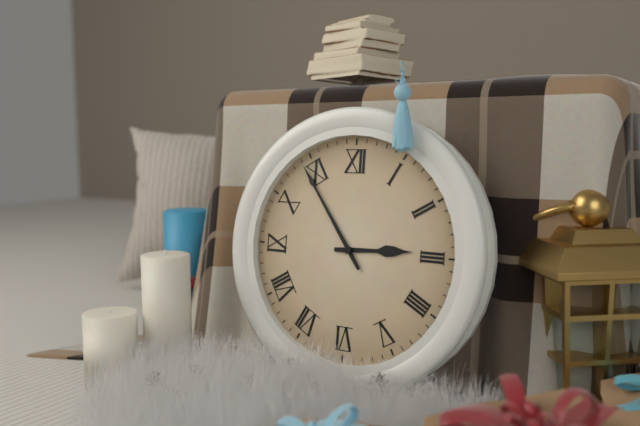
2:54
